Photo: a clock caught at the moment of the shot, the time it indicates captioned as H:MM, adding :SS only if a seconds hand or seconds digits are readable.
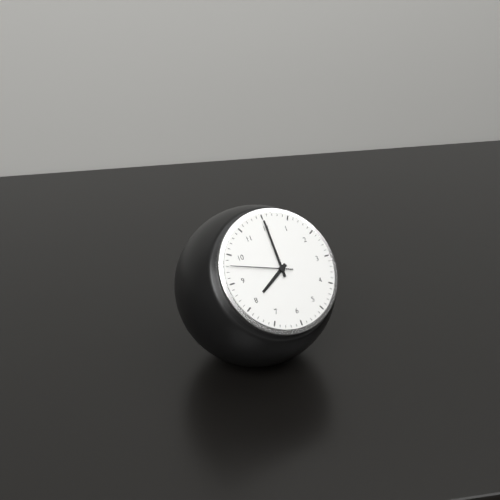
8:00:48
